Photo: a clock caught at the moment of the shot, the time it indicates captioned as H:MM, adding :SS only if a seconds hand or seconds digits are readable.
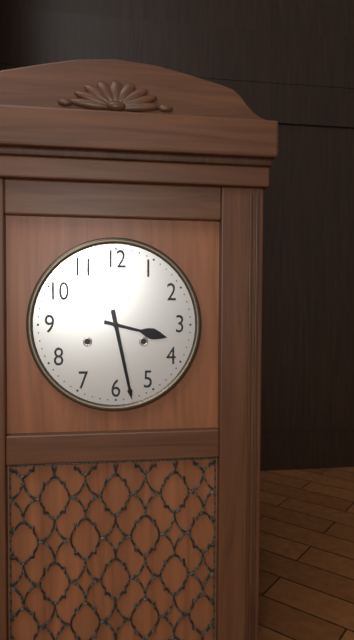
3:28
